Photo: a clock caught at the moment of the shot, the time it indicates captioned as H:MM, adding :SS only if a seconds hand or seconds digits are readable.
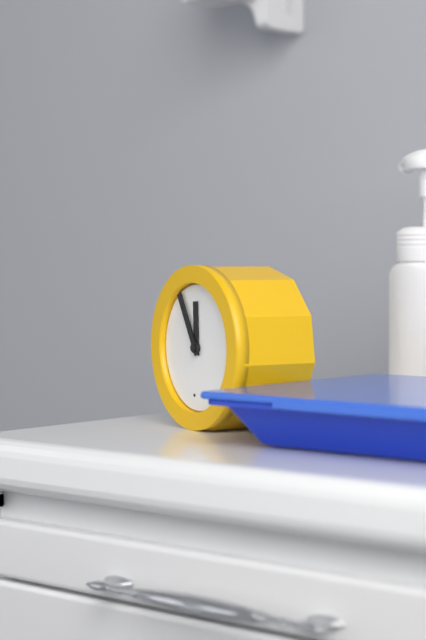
11:55
